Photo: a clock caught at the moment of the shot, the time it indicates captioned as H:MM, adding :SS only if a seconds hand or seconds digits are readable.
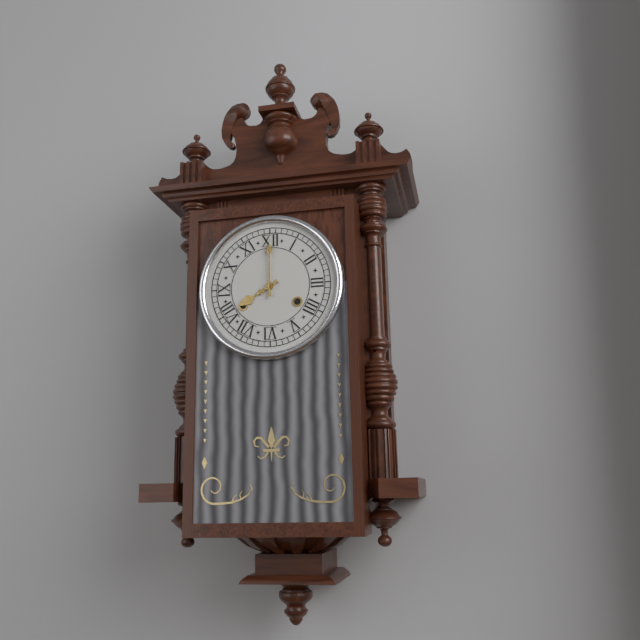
8:00
